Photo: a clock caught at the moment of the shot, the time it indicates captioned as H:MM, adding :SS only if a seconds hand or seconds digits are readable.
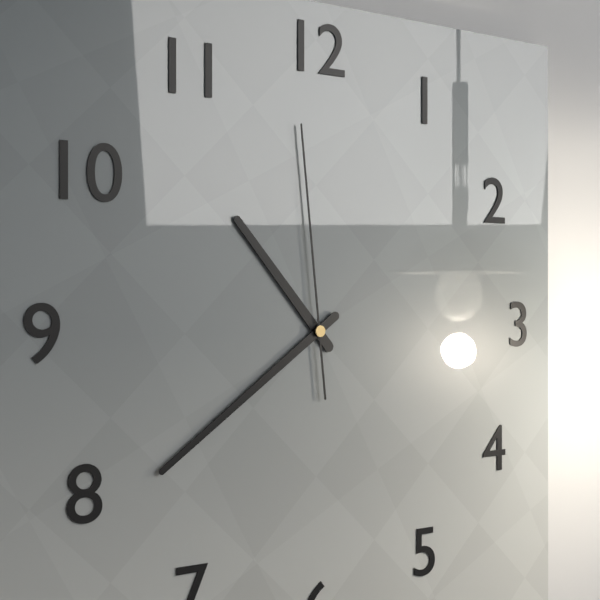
10:39:59
